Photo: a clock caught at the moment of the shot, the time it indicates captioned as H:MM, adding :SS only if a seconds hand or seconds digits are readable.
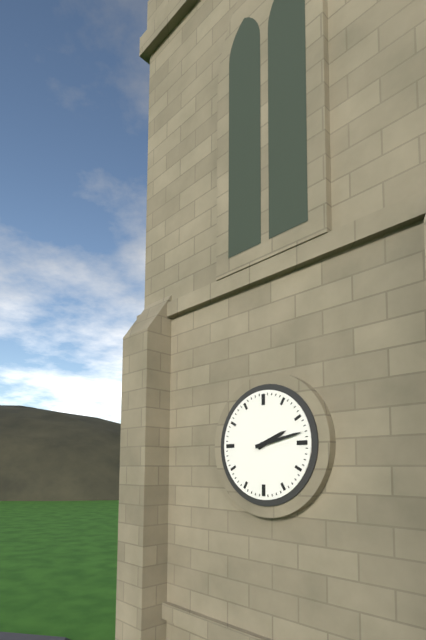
2:13
